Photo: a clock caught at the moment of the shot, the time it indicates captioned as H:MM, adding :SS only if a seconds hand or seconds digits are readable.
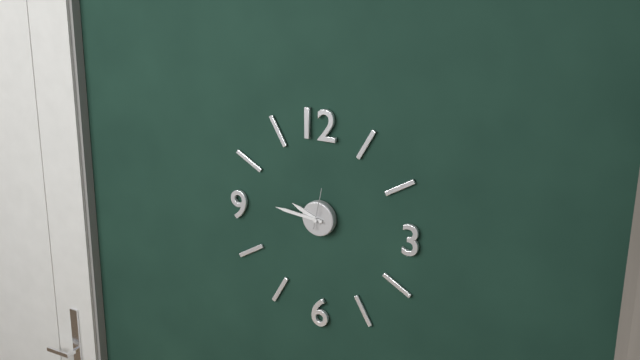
9:46
